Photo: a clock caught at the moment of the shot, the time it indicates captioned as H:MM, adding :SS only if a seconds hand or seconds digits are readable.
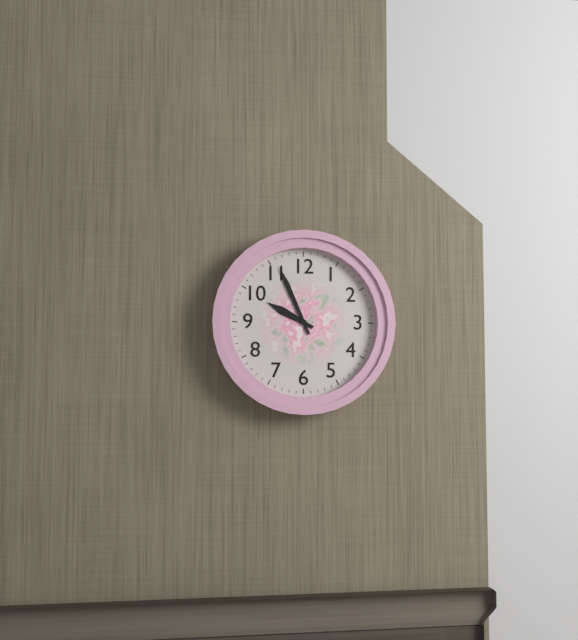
9:56
